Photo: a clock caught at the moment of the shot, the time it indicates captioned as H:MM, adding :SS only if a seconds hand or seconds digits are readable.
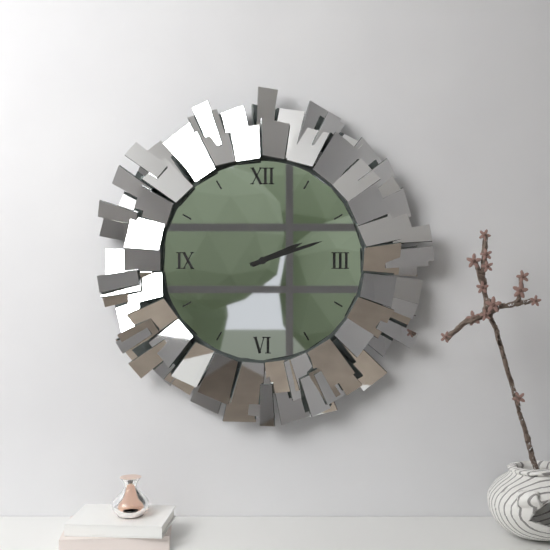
2:12
